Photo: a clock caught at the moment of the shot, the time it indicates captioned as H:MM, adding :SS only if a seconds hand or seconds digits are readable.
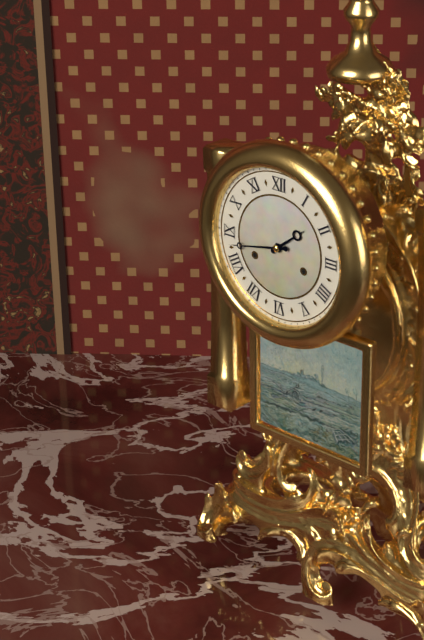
1:43
